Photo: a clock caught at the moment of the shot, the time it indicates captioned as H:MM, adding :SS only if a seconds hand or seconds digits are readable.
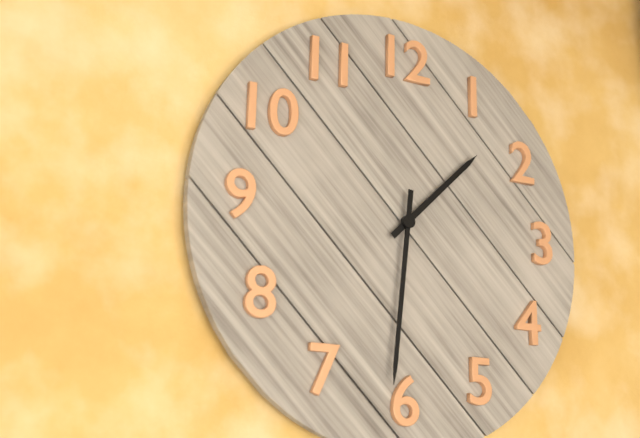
1:31
